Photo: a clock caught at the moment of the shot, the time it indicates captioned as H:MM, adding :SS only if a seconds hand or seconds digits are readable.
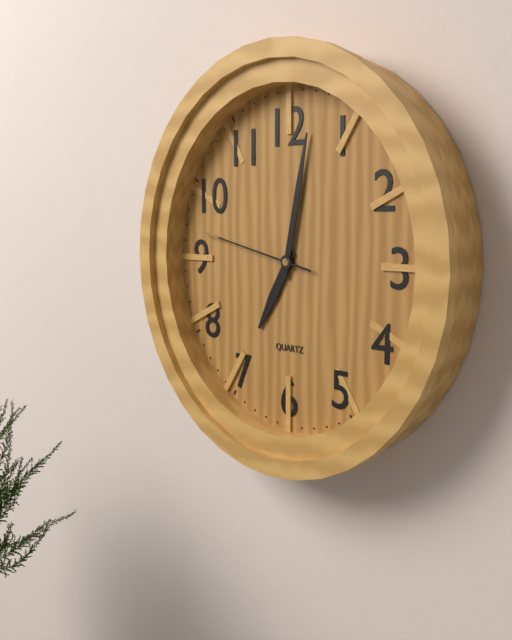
7:02:47
